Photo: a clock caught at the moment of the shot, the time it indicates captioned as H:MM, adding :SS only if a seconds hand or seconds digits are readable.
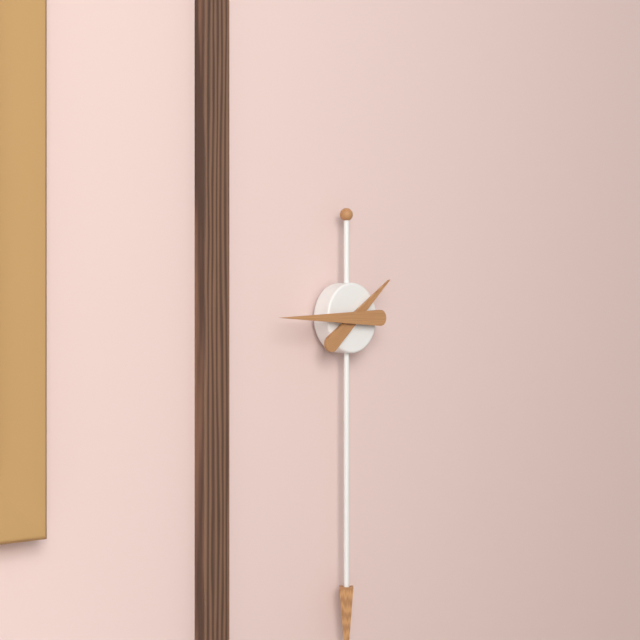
1:45
